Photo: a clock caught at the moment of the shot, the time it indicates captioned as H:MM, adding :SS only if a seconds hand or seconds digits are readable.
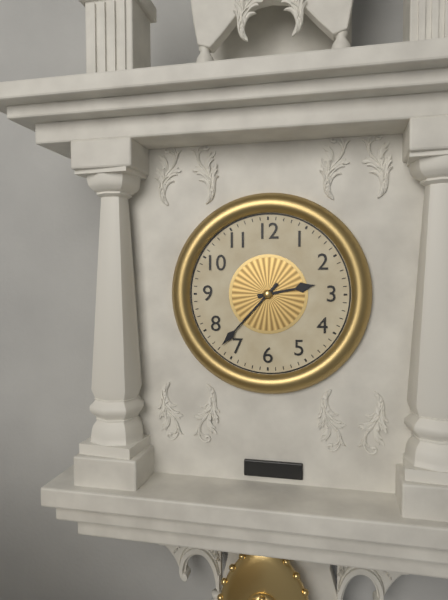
2:37
